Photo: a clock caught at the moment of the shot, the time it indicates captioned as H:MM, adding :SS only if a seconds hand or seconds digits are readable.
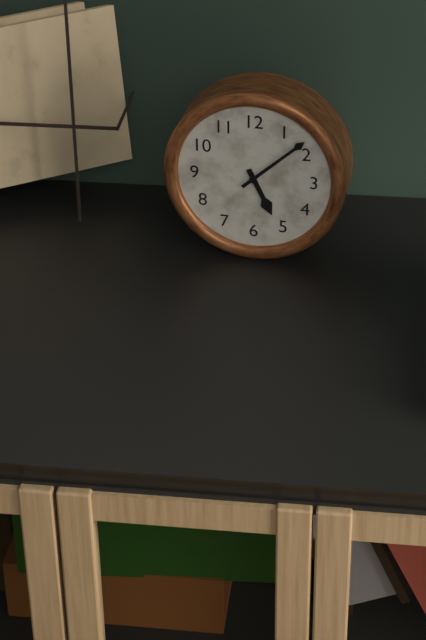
5:08
